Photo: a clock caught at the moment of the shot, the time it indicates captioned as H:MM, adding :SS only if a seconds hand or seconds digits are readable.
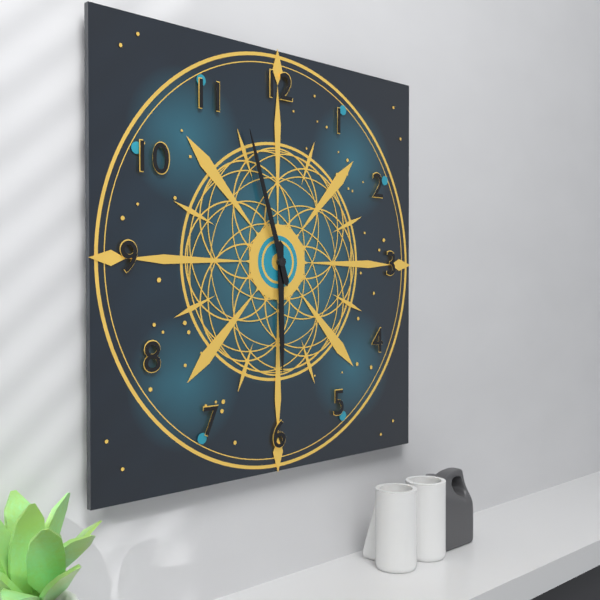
5:57
